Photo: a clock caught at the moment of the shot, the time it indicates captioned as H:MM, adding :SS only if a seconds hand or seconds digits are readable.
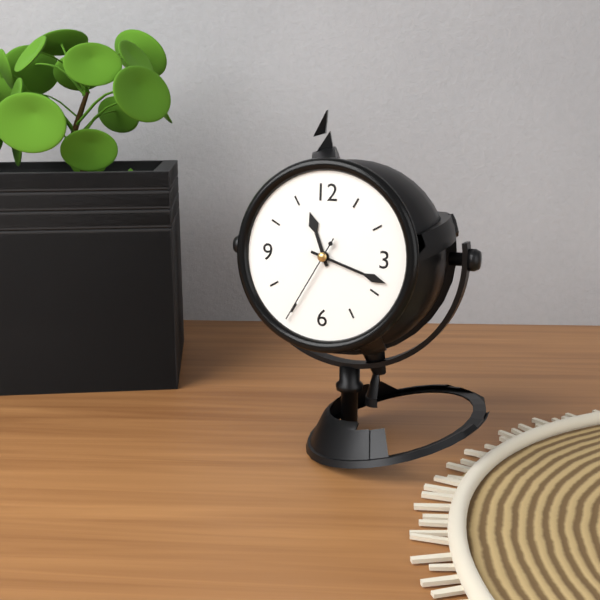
11:18:35
